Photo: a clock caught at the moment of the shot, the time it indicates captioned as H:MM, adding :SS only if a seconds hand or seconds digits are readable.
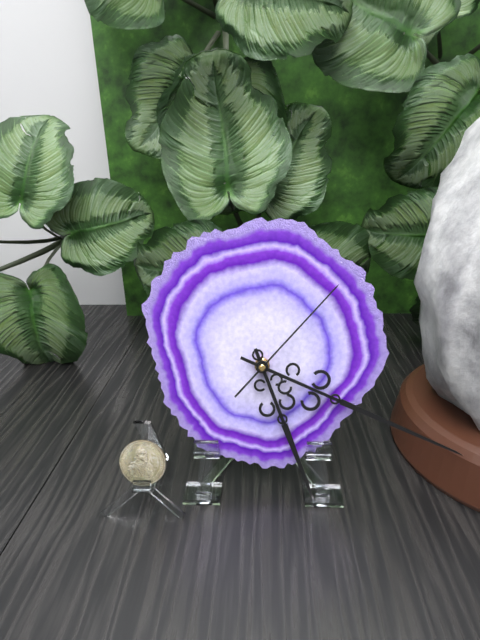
5:19:07
